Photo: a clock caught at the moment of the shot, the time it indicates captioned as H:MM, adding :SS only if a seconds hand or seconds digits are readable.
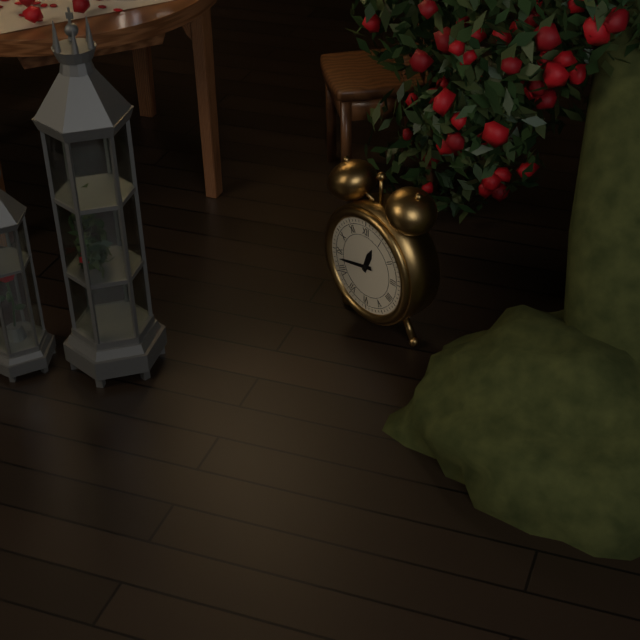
12:43
